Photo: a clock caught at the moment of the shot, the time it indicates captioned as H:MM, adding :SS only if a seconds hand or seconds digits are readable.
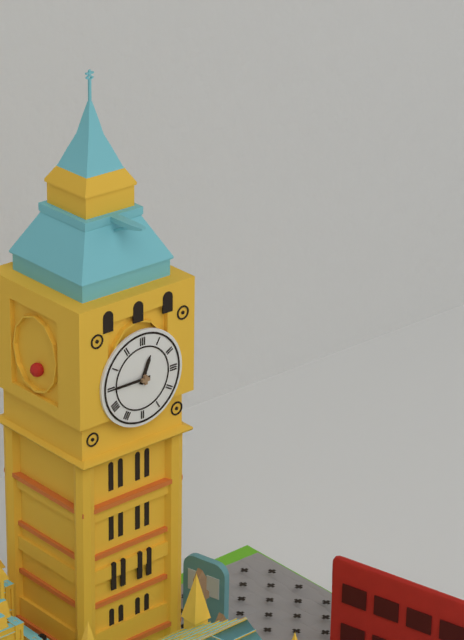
12:45
